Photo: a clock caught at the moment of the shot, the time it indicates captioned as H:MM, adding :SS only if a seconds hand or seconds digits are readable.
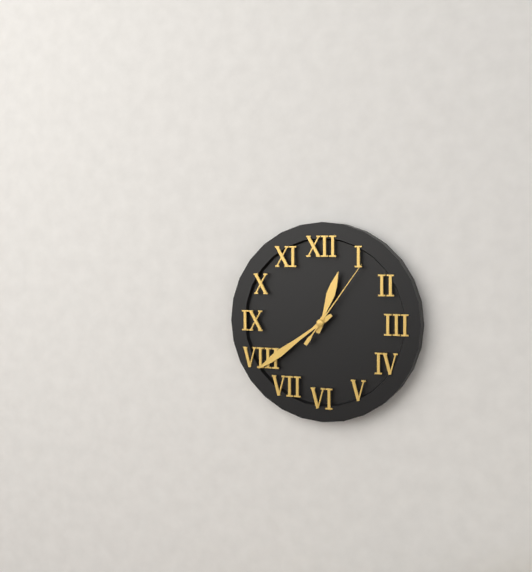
12:39:06
